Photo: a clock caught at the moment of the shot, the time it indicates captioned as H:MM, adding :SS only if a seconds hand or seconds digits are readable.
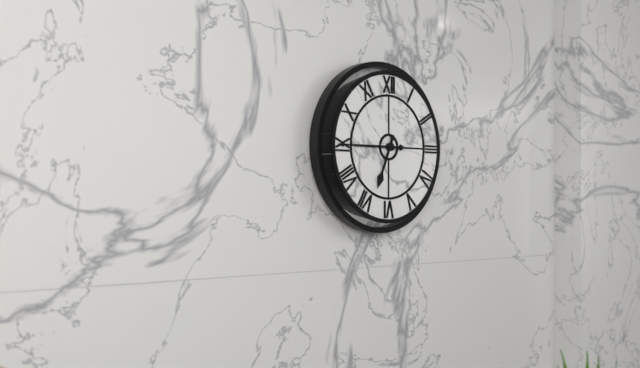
6:45
